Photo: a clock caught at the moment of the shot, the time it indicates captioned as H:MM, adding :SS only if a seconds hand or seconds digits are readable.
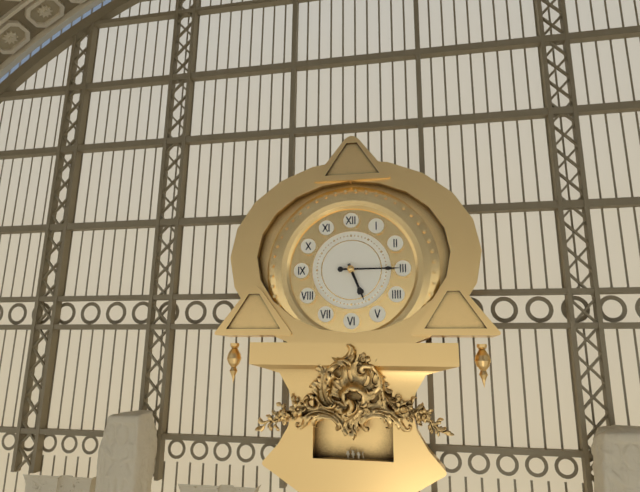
5:15
